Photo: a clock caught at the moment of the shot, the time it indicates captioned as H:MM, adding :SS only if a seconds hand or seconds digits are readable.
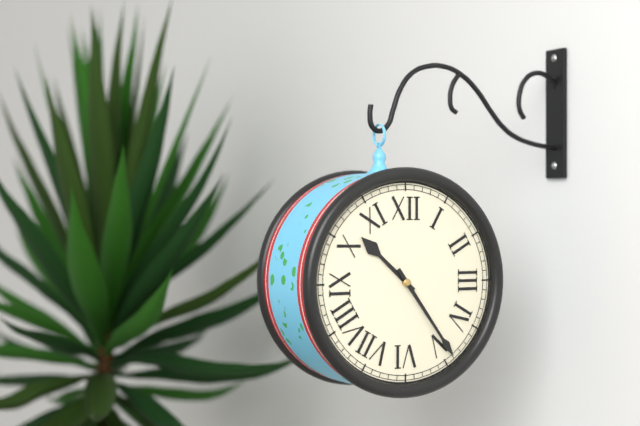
10:24
